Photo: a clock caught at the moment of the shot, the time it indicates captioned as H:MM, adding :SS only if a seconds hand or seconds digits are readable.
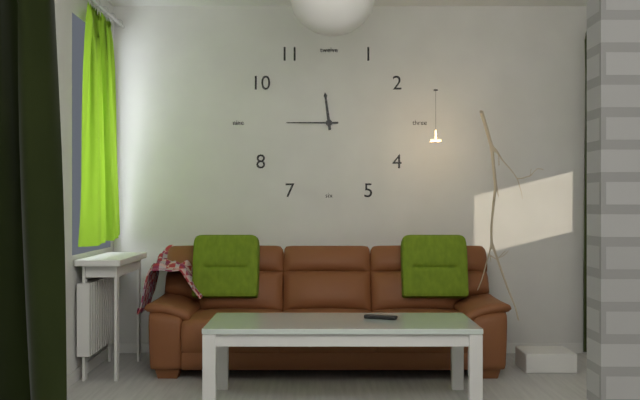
11:45
